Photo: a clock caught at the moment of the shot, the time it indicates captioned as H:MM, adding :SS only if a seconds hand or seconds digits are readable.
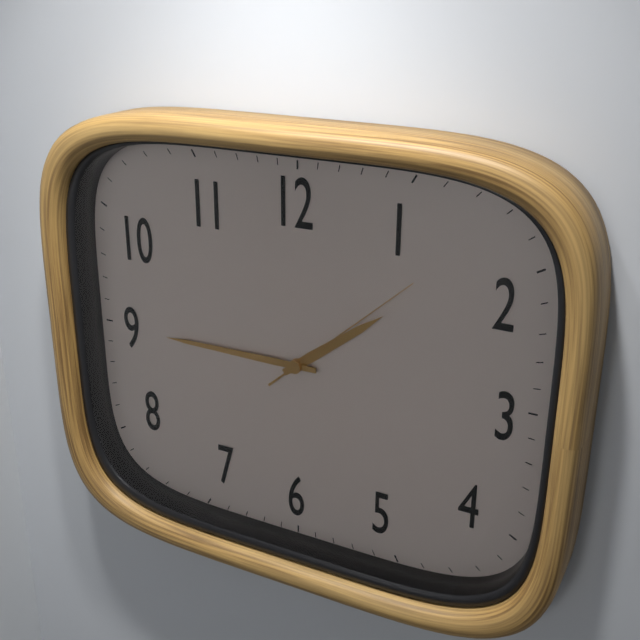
1:45:08
